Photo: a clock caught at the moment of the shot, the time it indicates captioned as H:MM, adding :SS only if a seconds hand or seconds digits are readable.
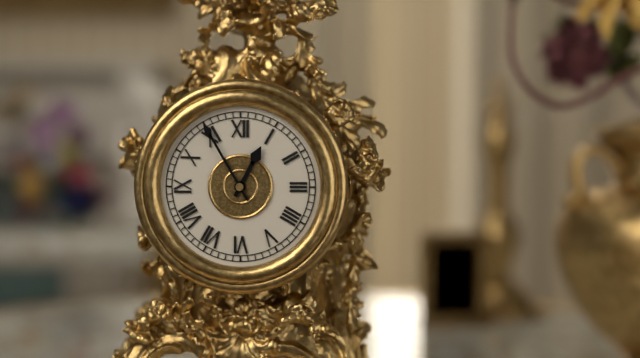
12:55
